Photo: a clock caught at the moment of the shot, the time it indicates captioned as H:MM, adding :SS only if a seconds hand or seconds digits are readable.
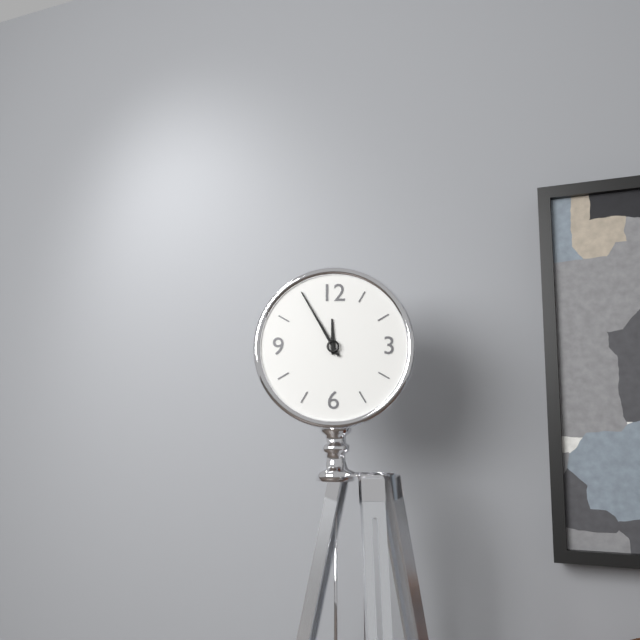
11:55
